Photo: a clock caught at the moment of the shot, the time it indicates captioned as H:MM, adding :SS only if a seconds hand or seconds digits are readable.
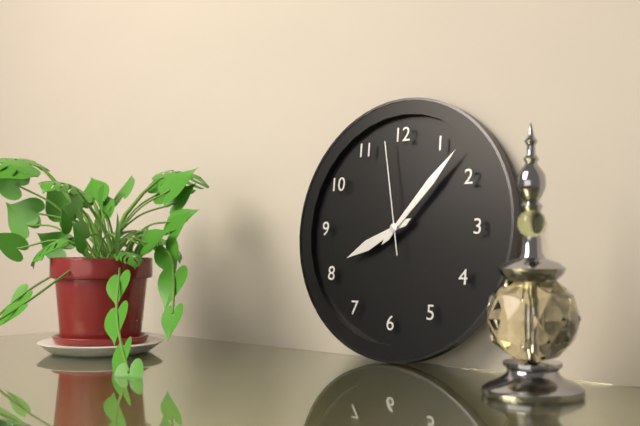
8:07:58
